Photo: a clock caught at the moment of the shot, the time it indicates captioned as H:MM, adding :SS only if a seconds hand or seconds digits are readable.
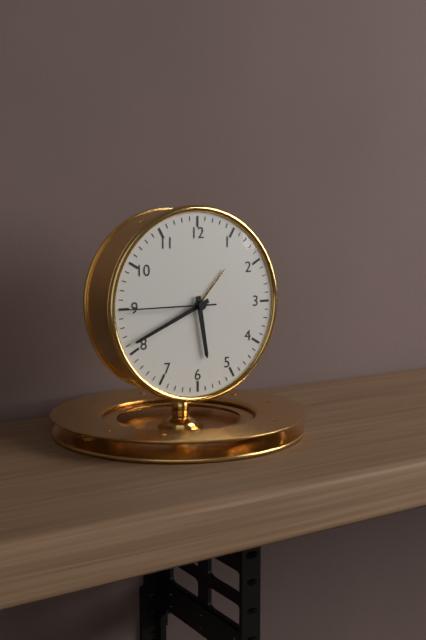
5:41:45
